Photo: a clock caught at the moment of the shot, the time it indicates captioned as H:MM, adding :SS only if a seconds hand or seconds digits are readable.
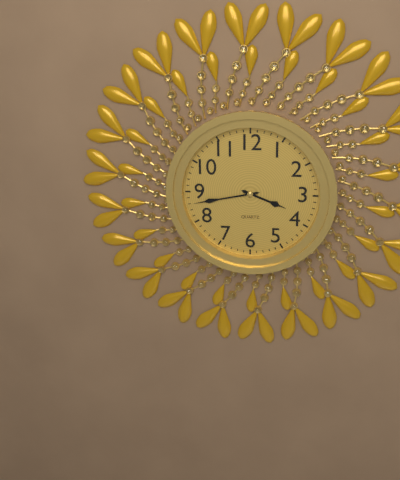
3:43
